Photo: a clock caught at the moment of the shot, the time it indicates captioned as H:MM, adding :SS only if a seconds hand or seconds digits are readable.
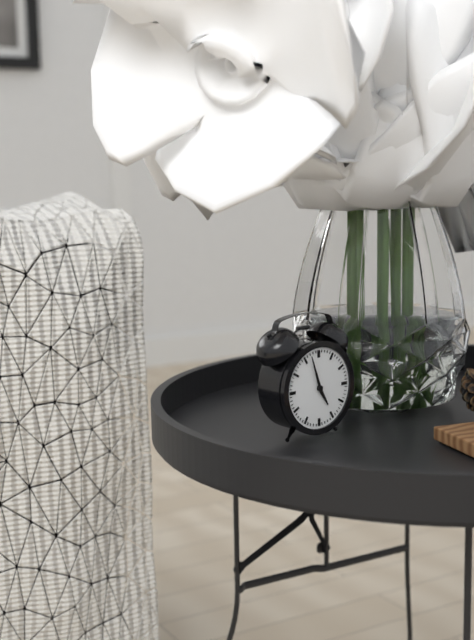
4:57
